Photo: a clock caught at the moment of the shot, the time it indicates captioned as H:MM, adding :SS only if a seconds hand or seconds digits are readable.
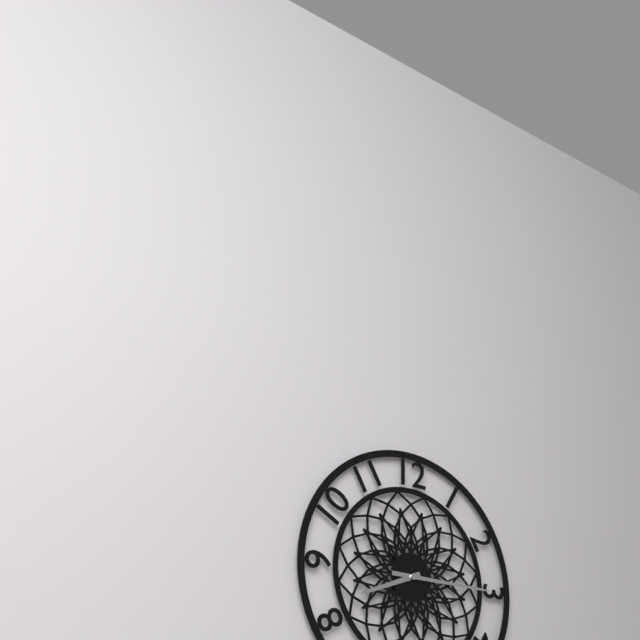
8:15
